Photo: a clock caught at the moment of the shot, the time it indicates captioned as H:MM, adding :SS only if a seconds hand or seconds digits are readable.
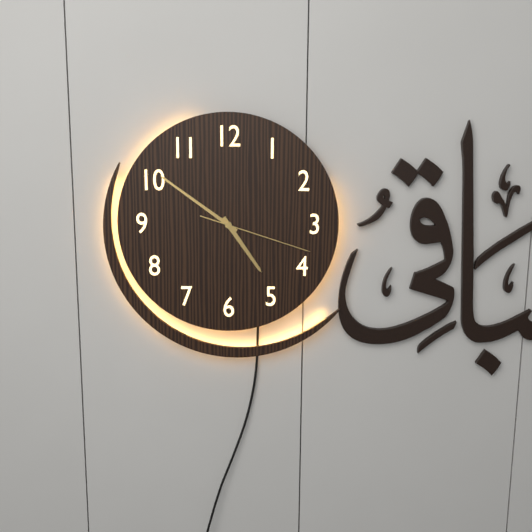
4:51:18
